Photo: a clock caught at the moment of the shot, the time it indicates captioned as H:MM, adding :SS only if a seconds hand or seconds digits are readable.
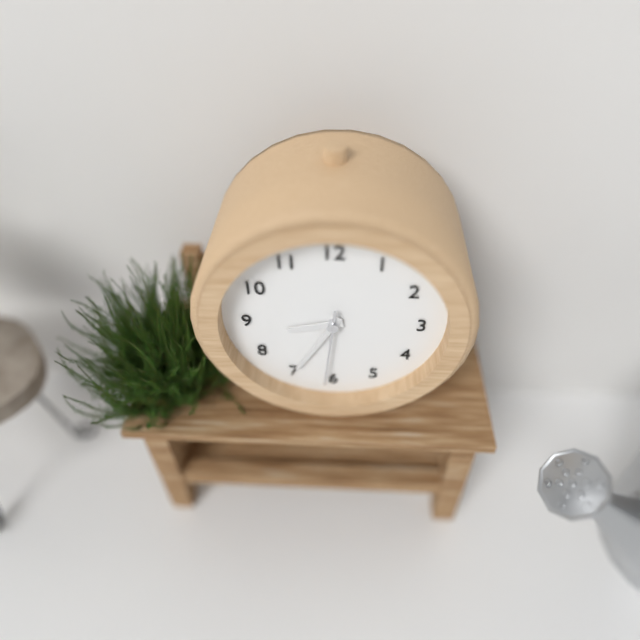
8:35:31
